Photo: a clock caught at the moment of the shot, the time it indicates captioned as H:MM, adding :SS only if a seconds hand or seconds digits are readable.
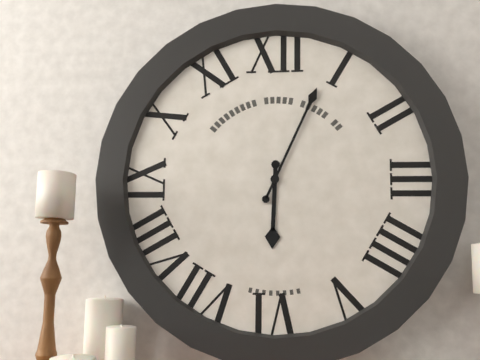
6:04
